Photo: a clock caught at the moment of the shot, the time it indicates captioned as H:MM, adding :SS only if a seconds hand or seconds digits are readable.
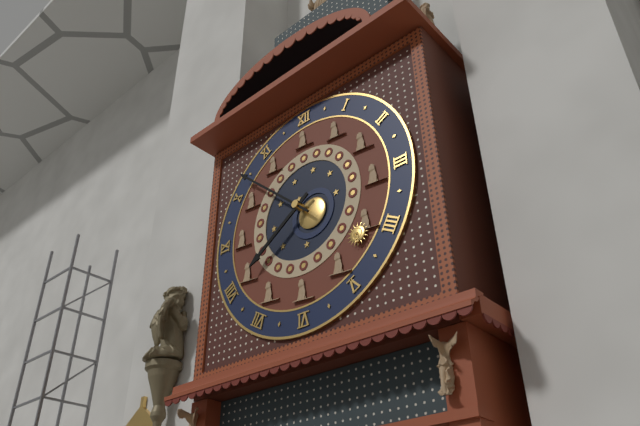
7:52
